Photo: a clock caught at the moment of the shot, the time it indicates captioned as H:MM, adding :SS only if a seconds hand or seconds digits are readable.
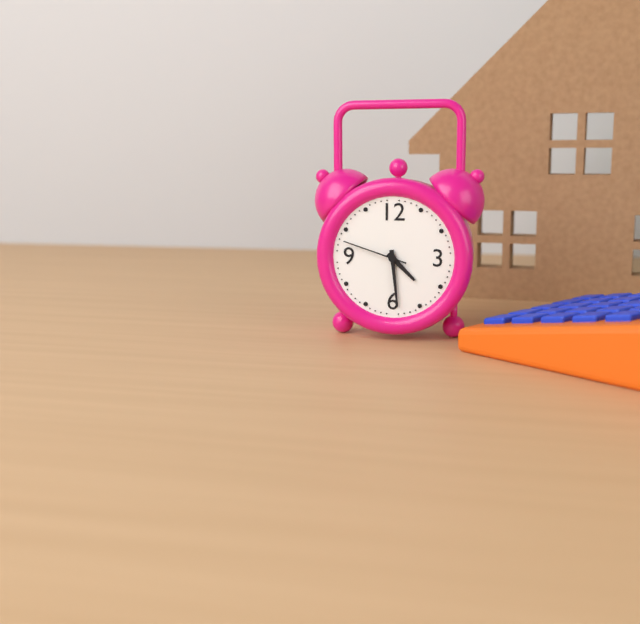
4:29:48
